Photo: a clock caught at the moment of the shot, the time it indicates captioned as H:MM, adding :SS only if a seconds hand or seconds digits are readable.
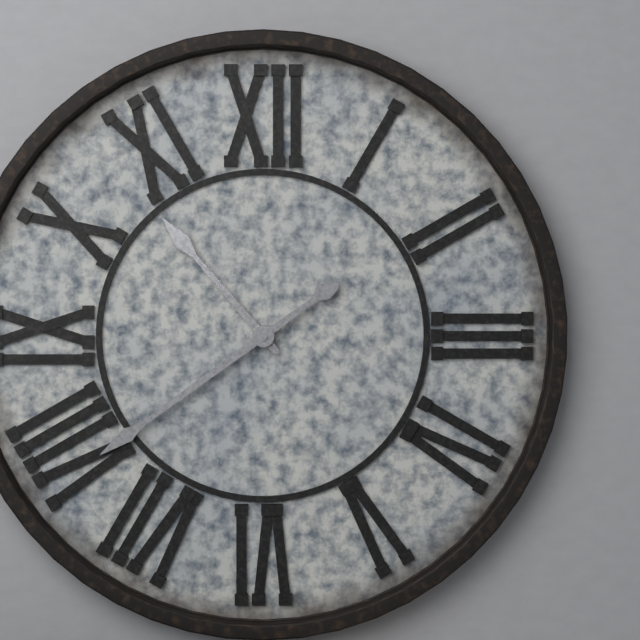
10:39
